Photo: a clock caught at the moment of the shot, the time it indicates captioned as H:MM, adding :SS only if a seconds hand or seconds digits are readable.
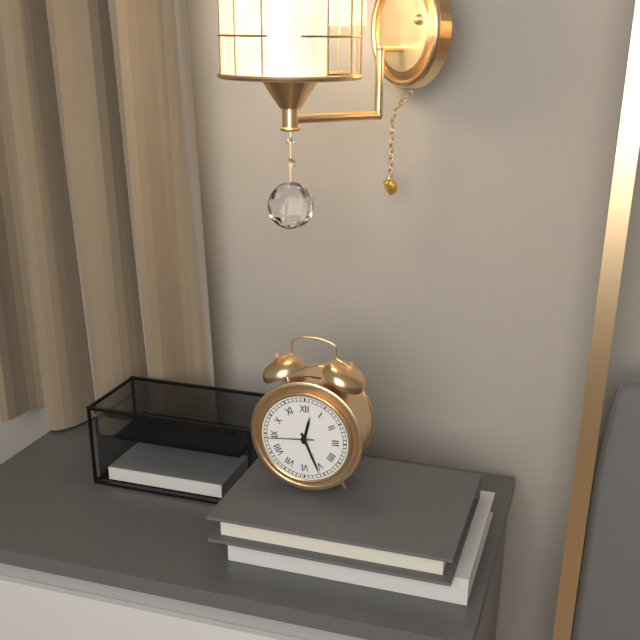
12:26
